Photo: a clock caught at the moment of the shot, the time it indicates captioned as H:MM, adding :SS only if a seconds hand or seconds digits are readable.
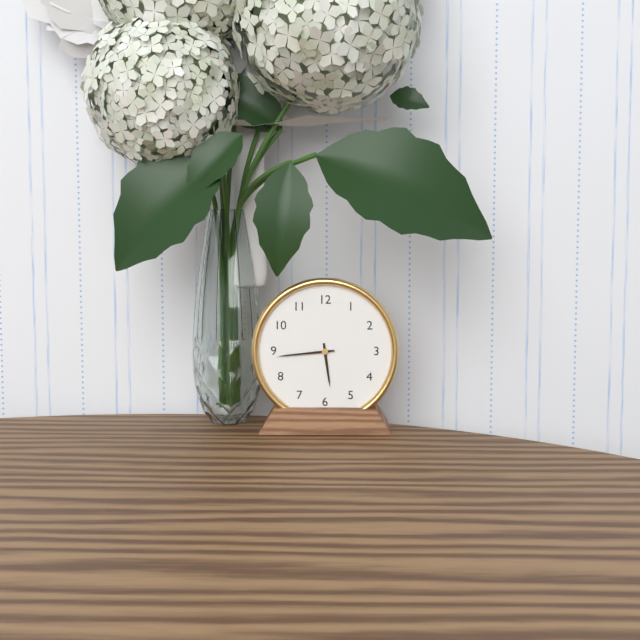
5:44
